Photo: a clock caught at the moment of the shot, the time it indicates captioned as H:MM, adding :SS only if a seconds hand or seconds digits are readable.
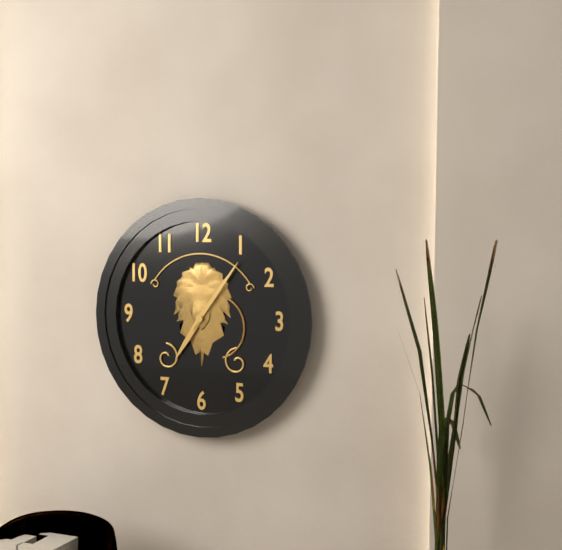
7:06
